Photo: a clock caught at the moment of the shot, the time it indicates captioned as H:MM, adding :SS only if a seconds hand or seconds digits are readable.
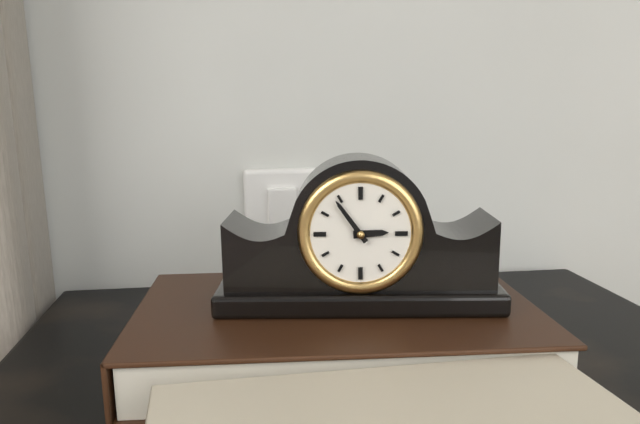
2:54
